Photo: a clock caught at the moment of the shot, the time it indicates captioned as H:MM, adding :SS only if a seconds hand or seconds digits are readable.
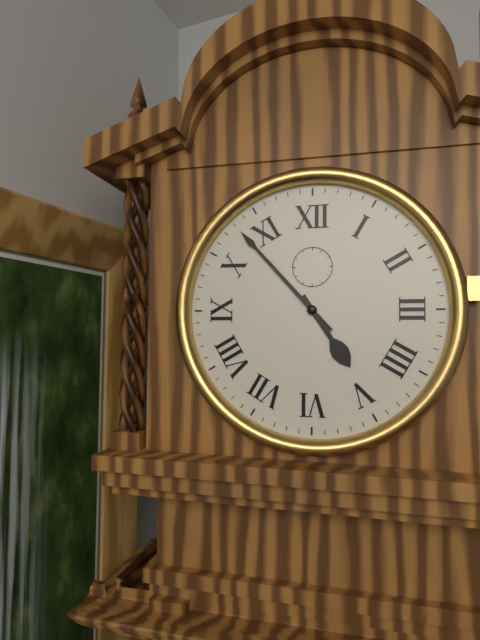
4:53
